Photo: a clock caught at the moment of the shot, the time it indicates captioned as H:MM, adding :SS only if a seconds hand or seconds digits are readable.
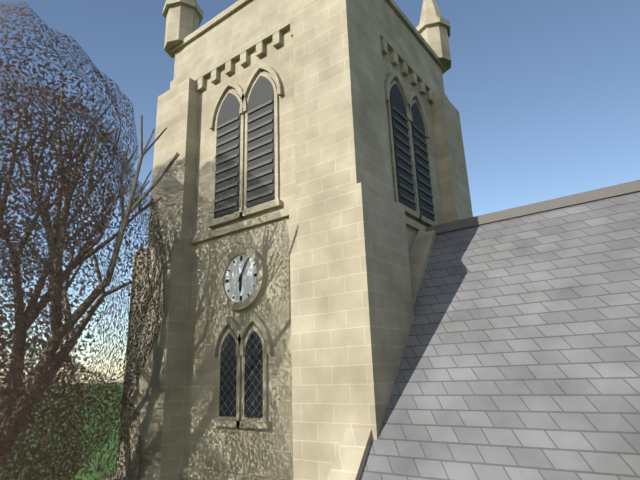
6:05
